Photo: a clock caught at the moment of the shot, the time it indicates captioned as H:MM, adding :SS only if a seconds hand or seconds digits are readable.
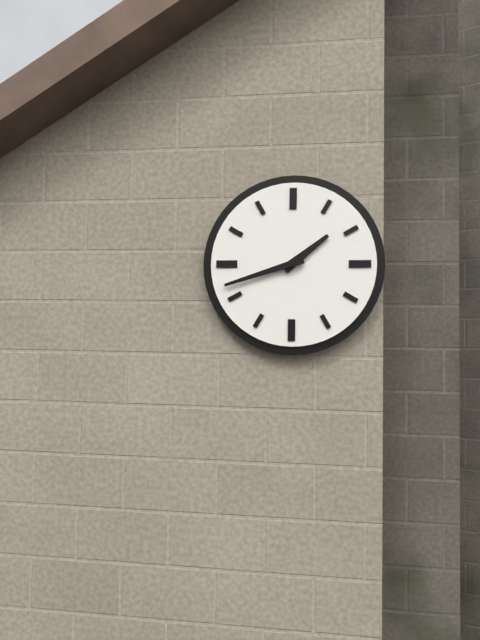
1:42
